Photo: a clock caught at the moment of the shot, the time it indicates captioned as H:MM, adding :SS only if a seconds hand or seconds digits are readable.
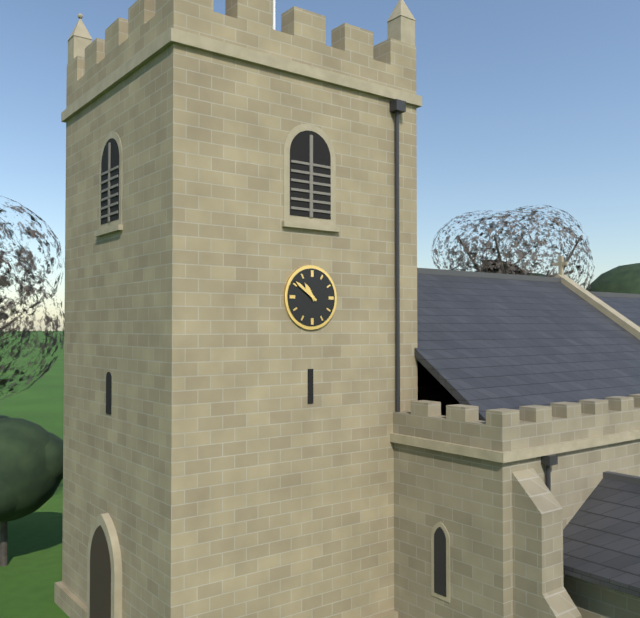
10:51
